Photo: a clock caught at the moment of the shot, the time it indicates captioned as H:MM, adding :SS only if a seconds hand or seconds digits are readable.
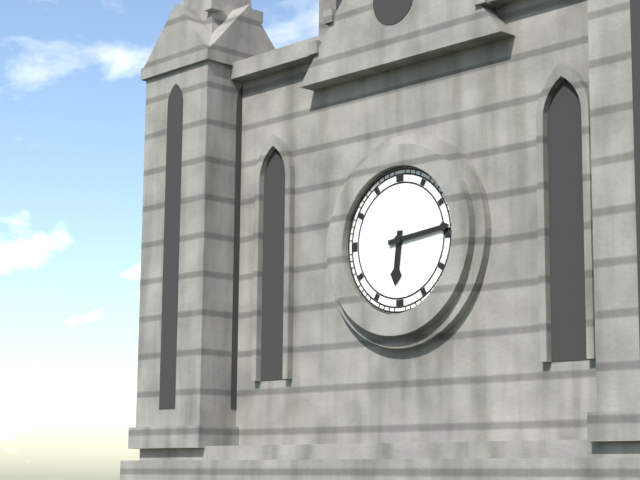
6:14
